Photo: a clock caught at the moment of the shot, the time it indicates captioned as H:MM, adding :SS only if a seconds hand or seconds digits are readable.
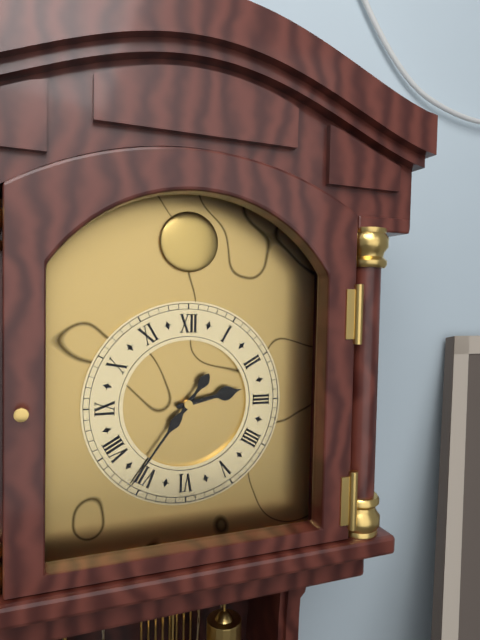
2:36
